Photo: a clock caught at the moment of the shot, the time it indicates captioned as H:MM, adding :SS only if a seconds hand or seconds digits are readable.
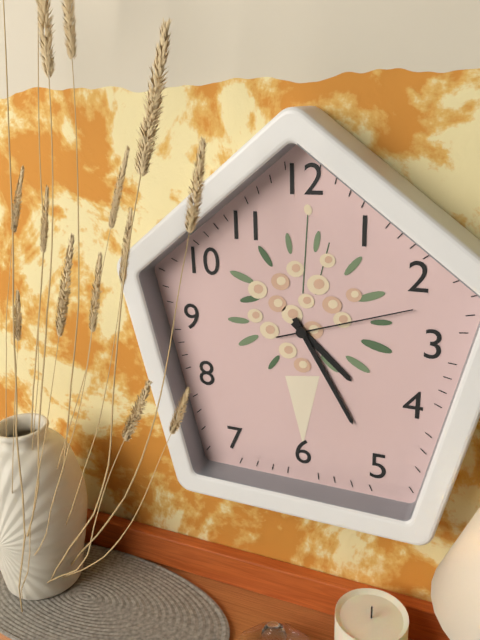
4:25:12
